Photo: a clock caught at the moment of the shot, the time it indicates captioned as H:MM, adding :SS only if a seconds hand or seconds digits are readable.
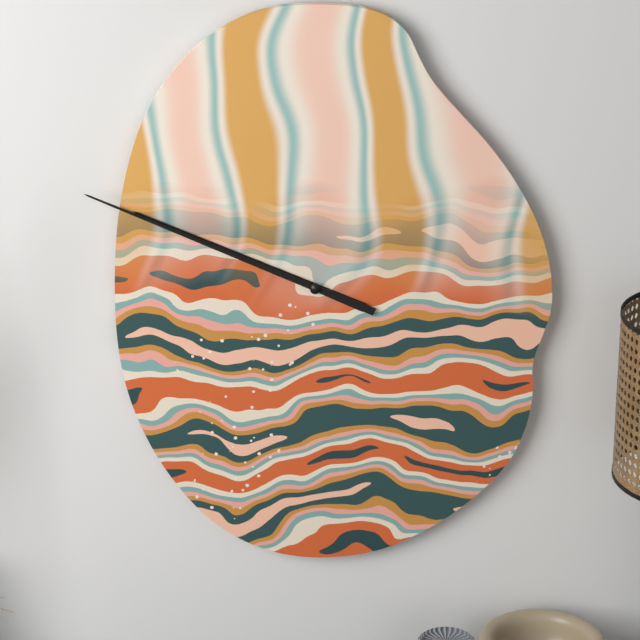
9:49
